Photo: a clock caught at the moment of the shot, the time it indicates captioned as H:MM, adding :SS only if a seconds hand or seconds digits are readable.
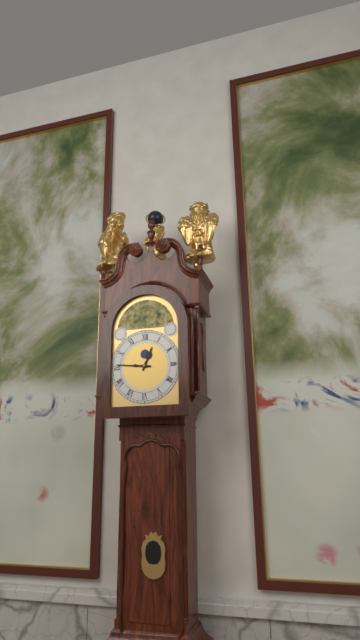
12:46
